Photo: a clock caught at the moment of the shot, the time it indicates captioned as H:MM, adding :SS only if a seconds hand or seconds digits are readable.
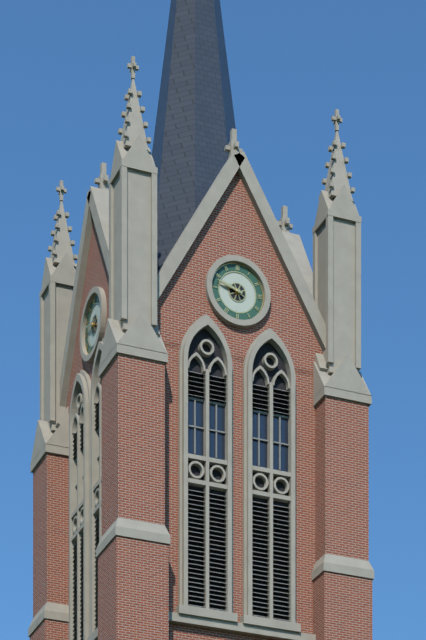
9:48
